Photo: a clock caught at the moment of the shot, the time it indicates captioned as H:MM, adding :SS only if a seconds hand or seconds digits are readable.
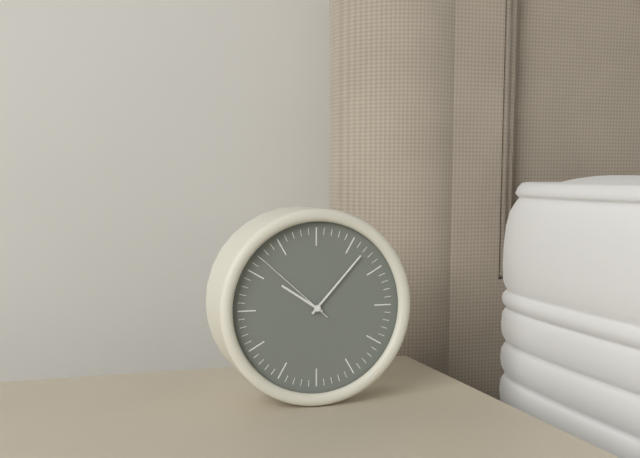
10:07:52
